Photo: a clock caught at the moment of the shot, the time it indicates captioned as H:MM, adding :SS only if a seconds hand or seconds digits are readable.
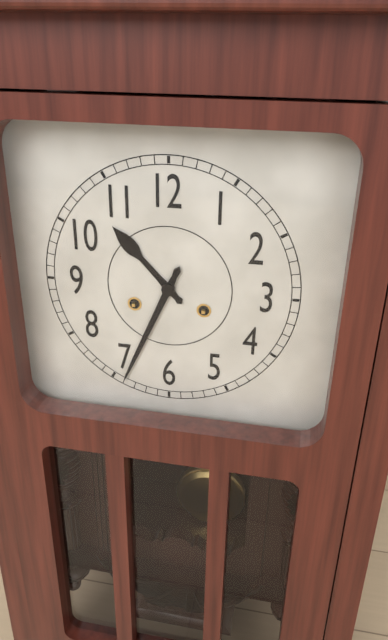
10:34
